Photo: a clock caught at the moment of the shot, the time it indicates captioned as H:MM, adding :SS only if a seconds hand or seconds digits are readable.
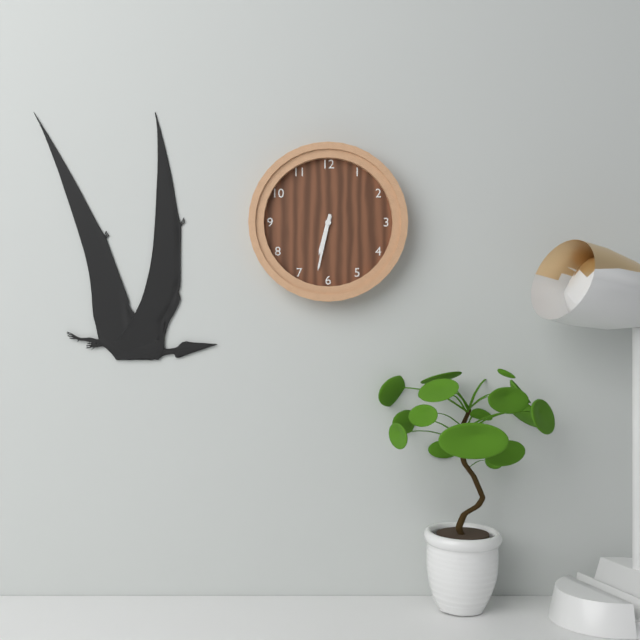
6:32
